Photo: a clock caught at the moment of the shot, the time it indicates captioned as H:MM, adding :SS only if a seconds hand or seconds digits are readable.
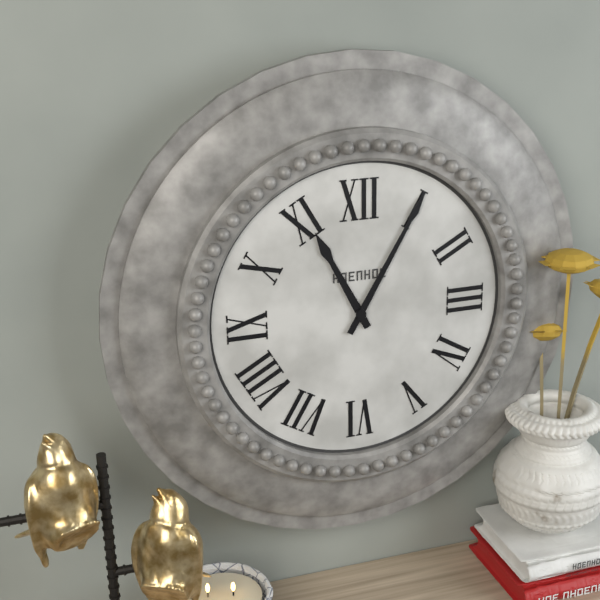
11:05
